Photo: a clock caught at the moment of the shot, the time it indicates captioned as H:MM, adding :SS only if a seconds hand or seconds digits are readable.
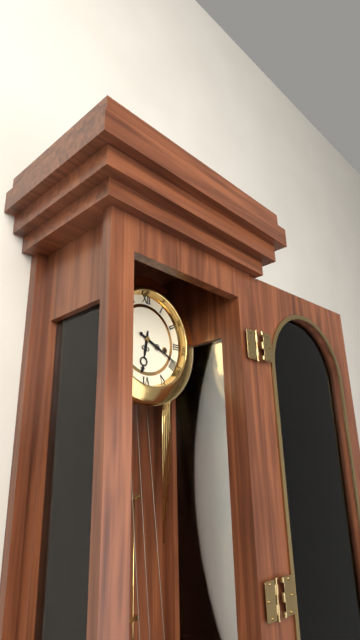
6:19
